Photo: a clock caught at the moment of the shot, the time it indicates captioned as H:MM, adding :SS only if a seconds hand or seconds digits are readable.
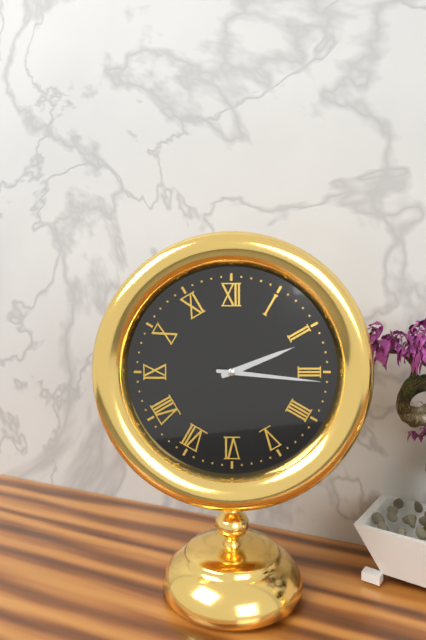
2:16
